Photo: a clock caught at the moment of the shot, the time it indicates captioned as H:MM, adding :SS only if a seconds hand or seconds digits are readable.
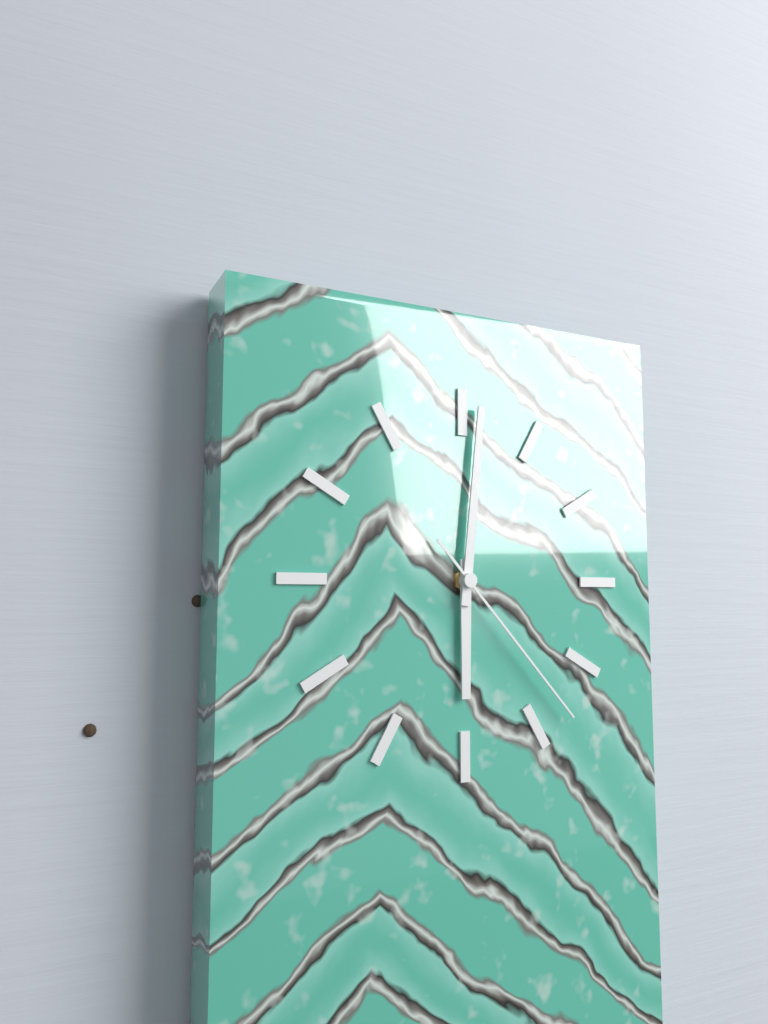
6:01:23
